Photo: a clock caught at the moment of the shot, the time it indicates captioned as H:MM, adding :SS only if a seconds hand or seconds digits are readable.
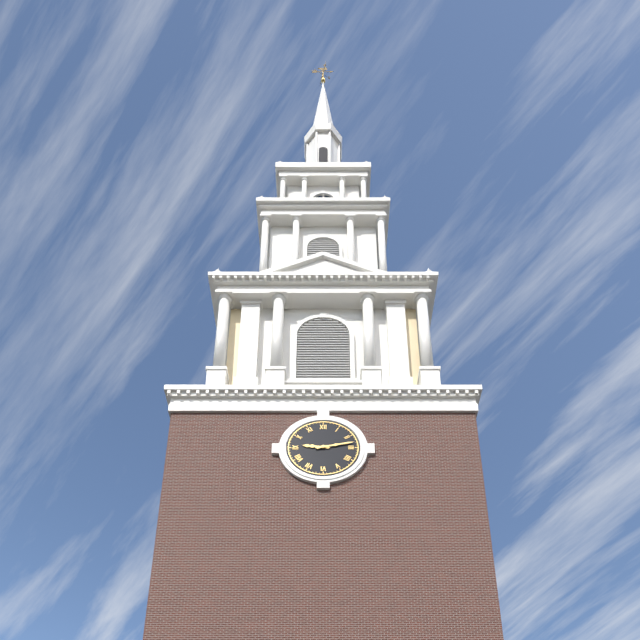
9:13
